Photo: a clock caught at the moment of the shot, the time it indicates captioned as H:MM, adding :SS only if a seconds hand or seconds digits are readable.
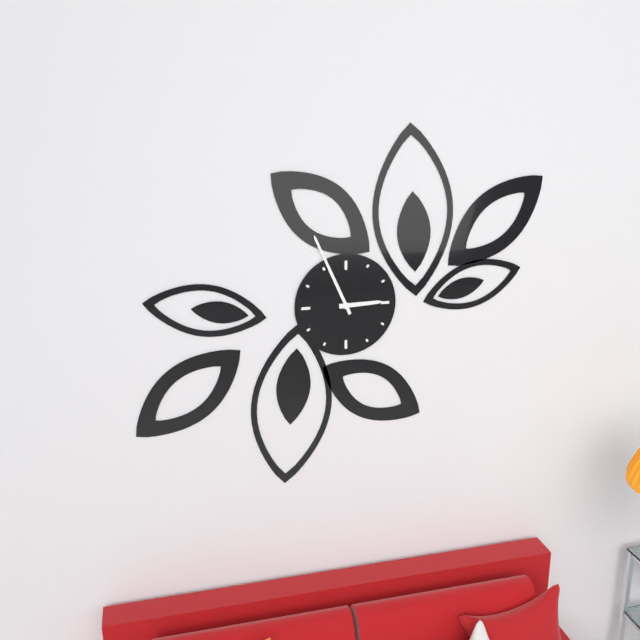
2:56
